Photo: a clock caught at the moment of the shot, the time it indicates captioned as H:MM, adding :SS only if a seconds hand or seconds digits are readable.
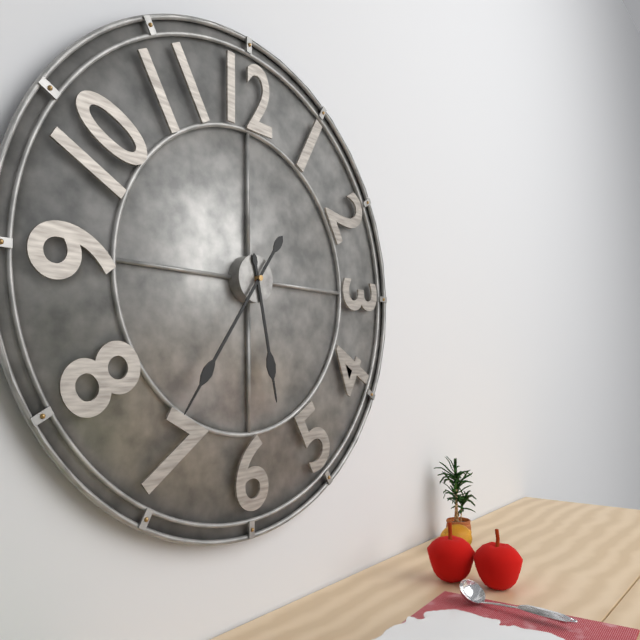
5:36
